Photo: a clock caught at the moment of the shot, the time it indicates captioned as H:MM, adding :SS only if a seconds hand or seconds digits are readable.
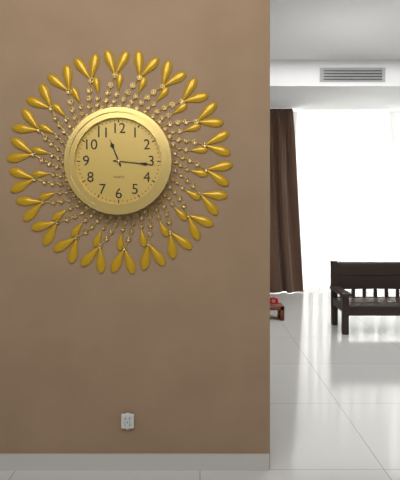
11:16
